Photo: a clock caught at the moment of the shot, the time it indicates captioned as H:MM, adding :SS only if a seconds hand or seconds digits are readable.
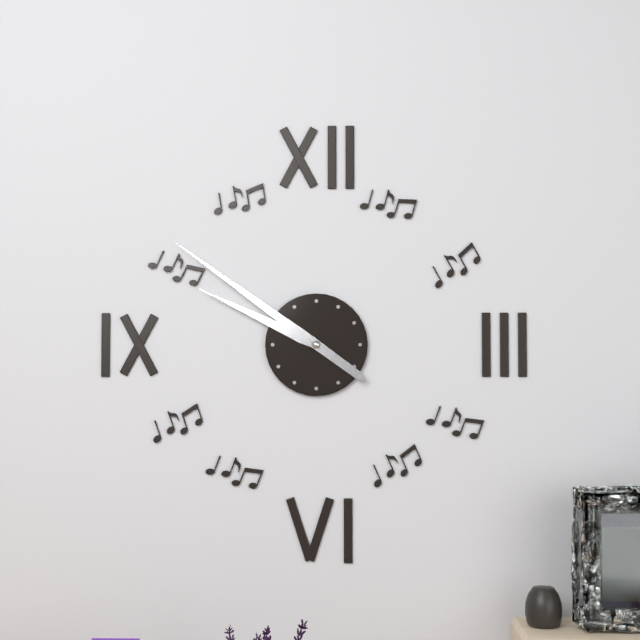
9:51
